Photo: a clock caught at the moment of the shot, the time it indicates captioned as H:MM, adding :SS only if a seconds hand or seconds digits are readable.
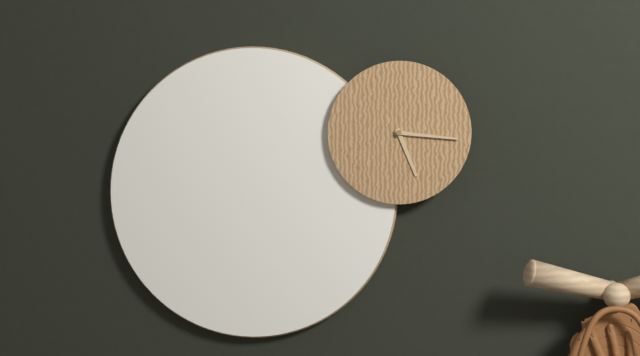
5:16
